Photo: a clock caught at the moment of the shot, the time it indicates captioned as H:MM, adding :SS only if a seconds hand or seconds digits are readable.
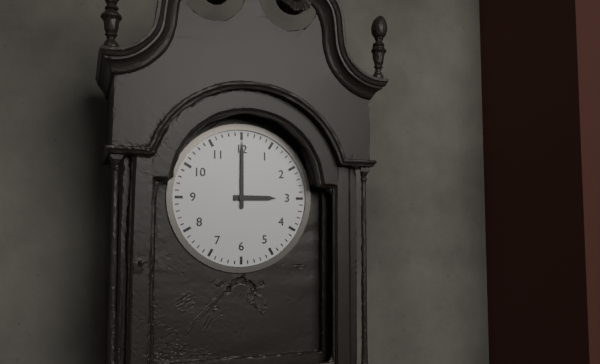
3:00
